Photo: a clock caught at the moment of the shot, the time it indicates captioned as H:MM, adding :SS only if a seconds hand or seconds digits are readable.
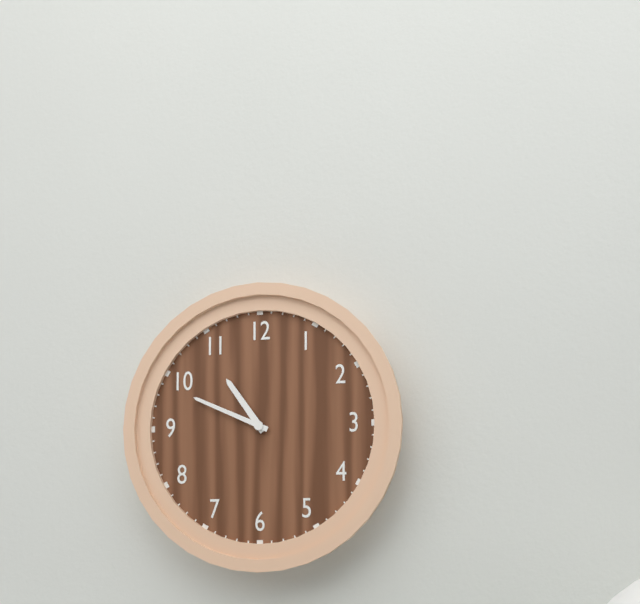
10:49
